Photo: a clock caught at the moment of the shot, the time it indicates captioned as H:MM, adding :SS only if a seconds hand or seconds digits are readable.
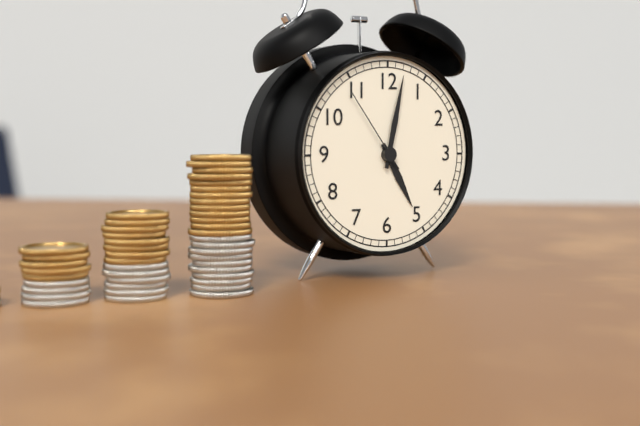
5:02:54
